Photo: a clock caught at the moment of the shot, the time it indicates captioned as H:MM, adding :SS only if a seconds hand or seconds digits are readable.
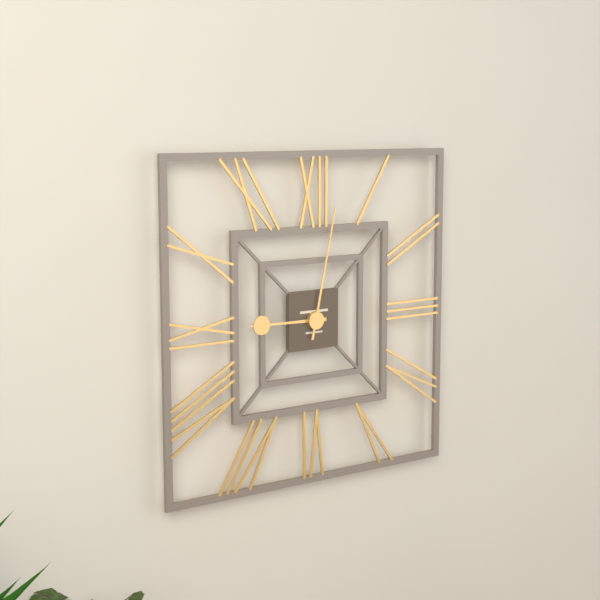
9:02
